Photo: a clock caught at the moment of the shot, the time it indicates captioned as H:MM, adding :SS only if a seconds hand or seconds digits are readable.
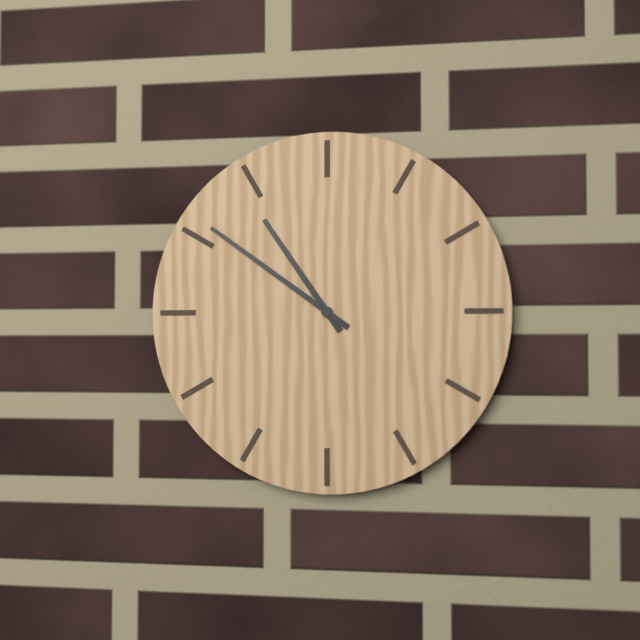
10:51
